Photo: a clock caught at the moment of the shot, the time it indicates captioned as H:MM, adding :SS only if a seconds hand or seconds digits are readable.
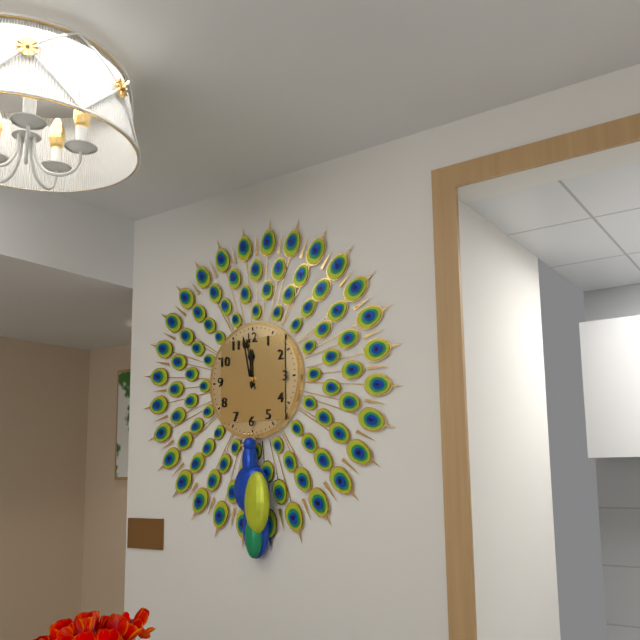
11:58
